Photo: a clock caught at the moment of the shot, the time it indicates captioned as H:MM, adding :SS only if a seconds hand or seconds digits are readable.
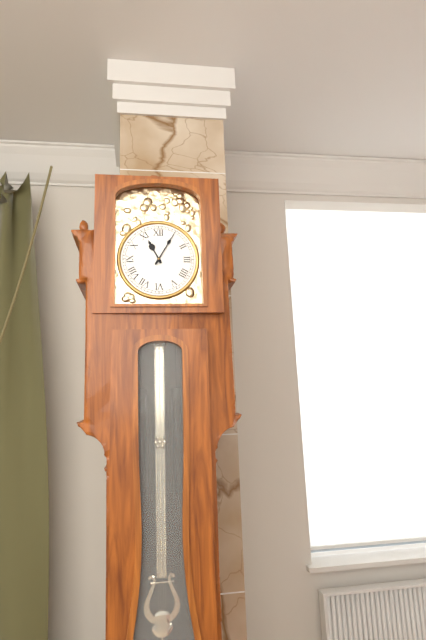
11:05
